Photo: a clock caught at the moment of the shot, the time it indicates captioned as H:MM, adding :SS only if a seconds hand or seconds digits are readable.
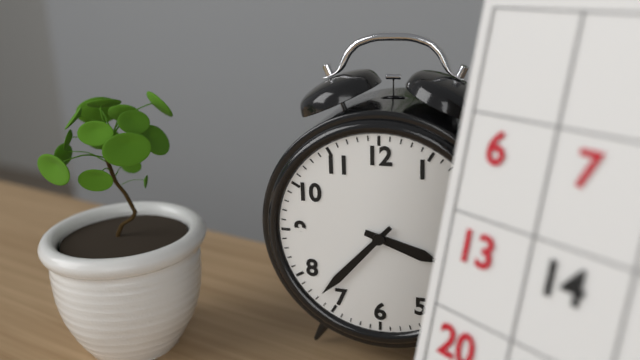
3:37
